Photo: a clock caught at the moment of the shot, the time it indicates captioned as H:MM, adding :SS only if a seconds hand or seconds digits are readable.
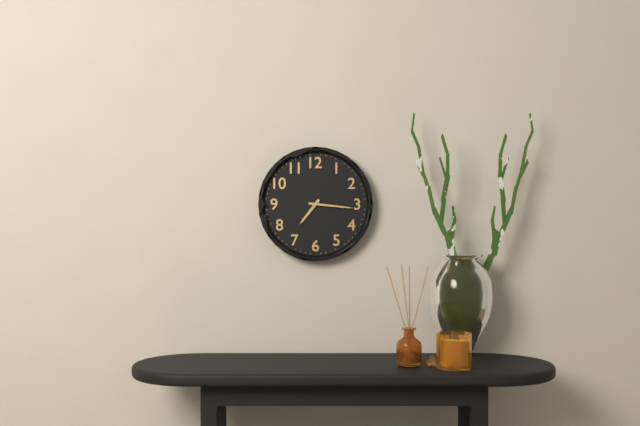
7:16
